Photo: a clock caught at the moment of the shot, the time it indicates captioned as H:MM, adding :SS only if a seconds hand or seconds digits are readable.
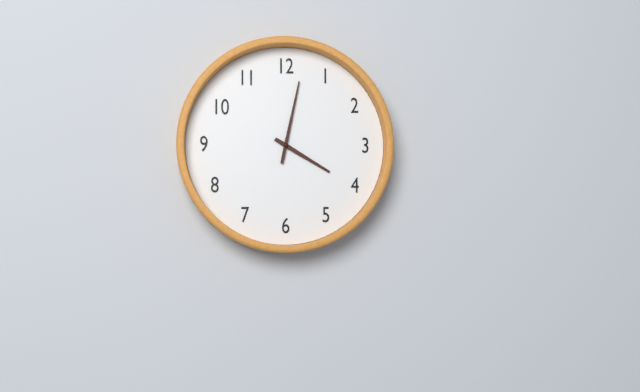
4:02
